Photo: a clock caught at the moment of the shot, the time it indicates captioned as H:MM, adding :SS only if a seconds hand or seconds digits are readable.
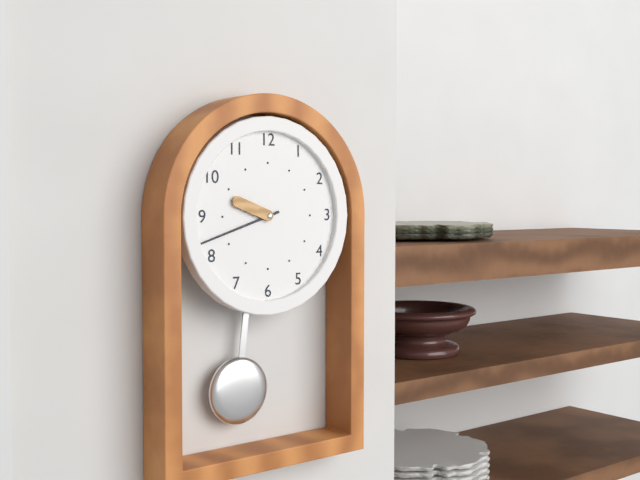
9:42
